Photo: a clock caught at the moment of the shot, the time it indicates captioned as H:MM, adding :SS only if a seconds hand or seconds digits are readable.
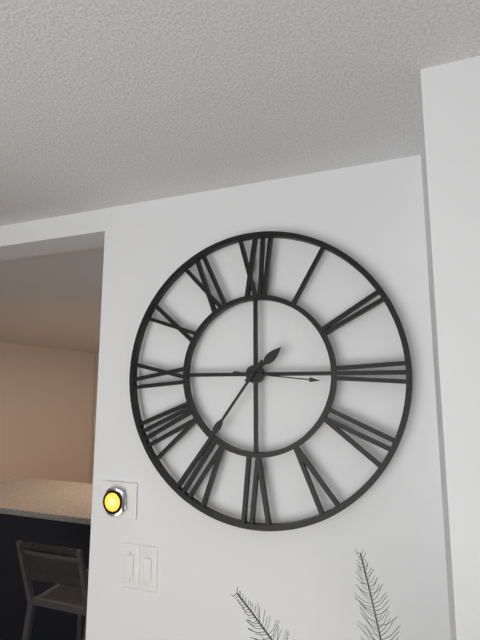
1:36:16
